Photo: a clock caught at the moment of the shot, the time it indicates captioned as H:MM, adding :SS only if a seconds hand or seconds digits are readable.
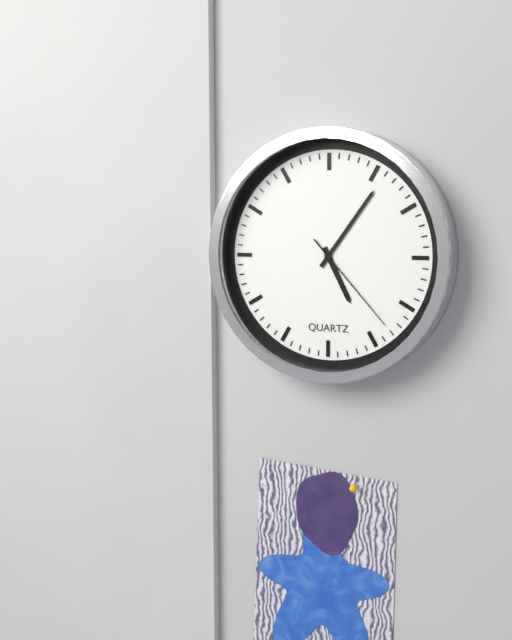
5:06:23
